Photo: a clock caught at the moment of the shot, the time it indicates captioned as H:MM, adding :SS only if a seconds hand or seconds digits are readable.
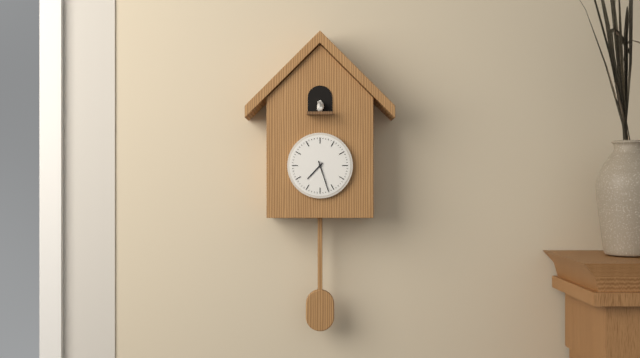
7:27
